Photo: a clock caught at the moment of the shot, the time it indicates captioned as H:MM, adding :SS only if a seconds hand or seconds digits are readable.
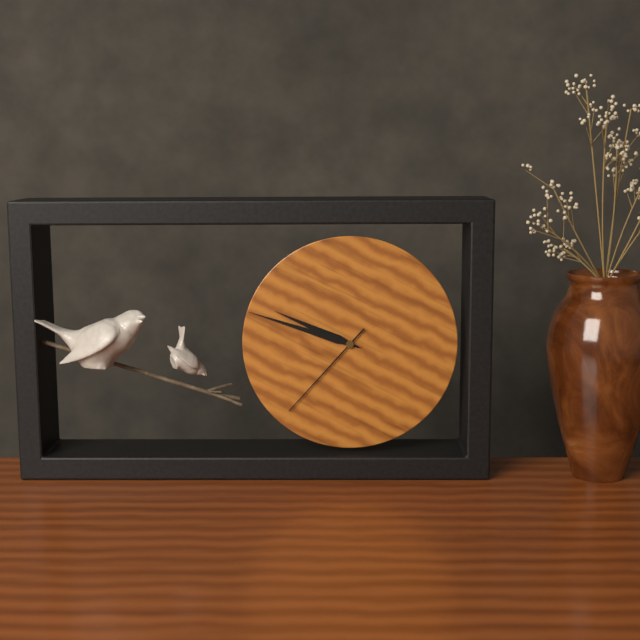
9:48:37
